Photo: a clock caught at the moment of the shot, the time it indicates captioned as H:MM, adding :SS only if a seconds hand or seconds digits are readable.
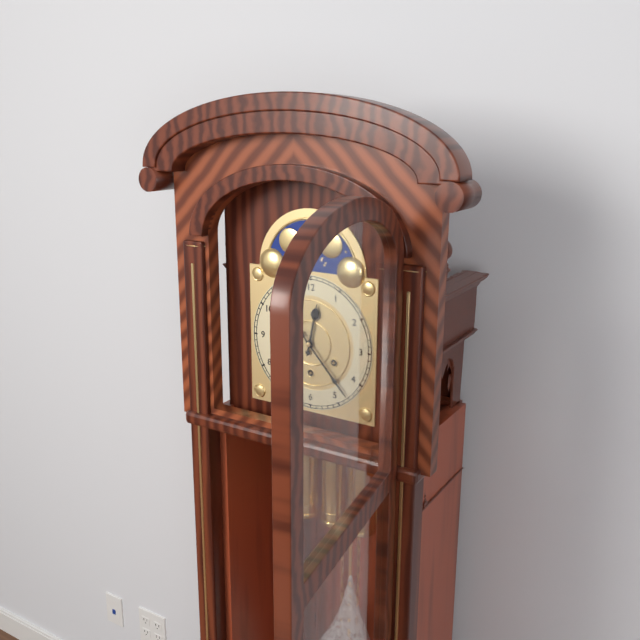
12:23
